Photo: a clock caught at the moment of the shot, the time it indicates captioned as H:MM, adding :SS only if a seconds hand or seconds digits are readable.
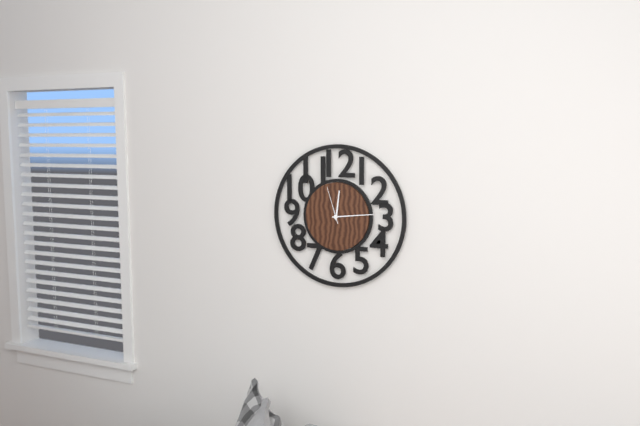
12:14
